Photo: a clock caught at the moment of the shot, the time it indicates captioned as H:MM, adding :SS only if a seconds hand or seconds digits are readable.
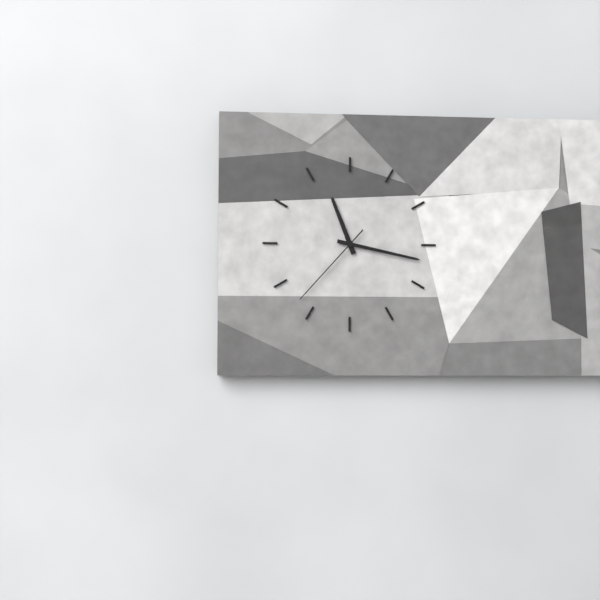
11:17:37
